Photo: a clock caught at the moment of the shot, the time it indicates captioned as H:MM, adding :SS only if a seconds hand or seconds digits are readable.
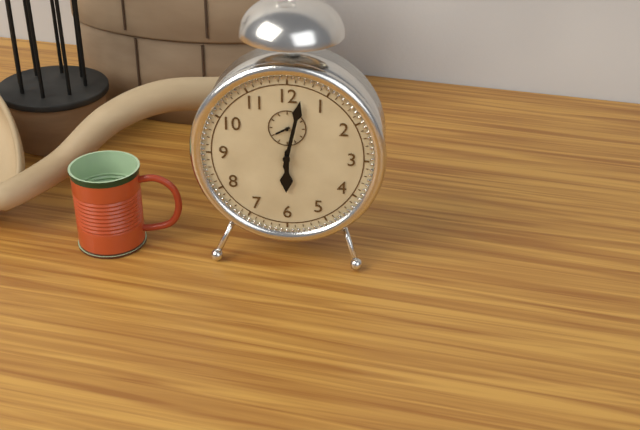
6:02
